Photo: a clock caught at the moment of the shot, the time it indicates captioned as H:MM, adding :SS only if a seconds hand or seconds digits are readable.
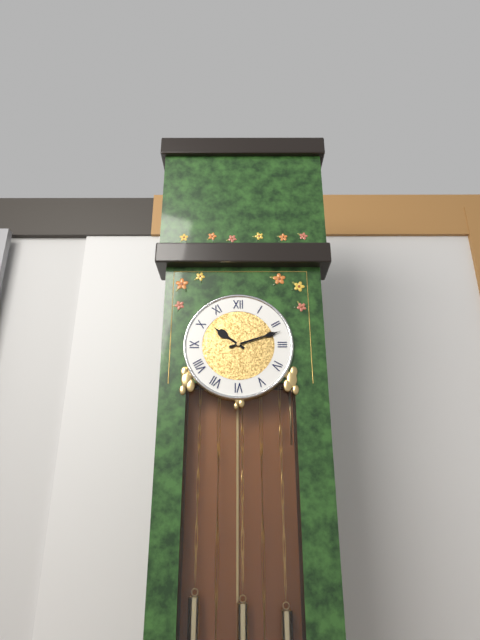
10:12
